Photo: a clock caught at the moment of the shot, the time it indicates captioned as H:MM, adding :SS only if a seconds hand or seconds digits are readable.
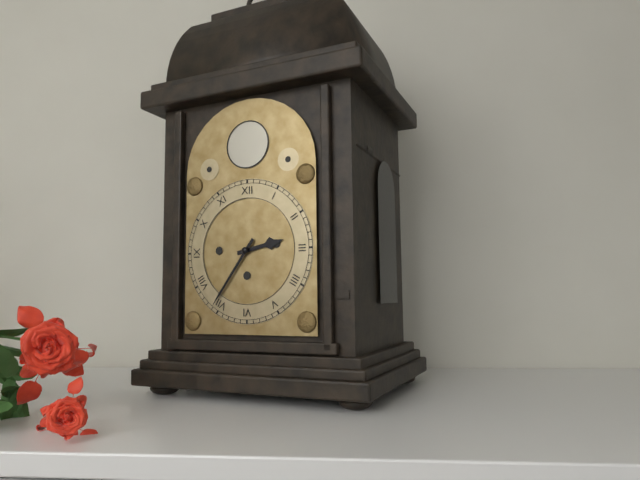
2:36
